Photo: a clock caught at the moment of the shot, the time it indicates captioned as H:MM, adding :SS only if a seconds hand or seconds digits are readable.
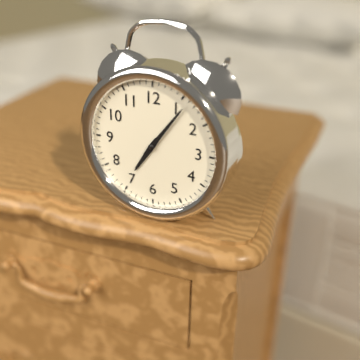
7:06
